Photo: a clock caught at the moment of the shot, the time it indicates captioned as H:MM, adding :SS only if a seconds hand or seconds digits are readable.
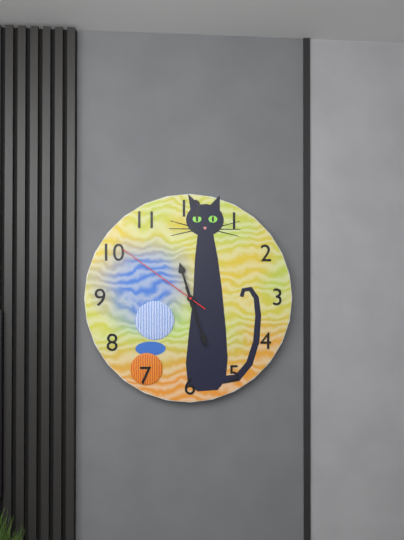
11:27:51
